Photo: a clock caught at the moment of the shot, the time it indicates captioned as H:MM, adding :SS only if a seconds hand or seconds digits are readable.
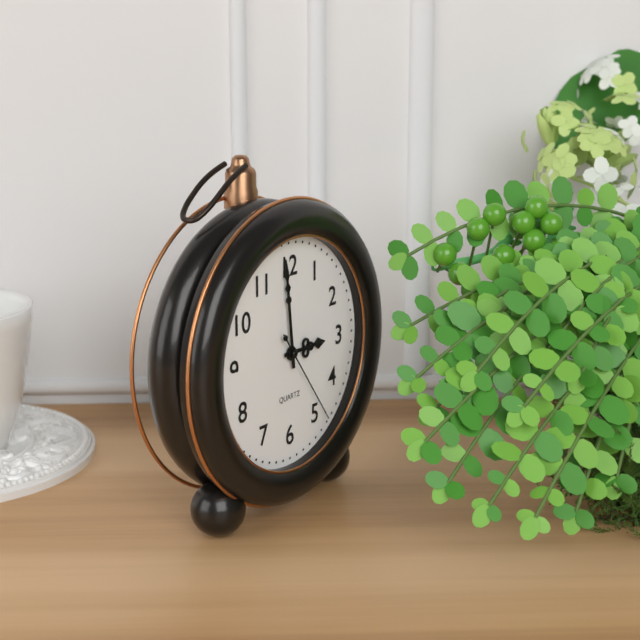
2:59:24
